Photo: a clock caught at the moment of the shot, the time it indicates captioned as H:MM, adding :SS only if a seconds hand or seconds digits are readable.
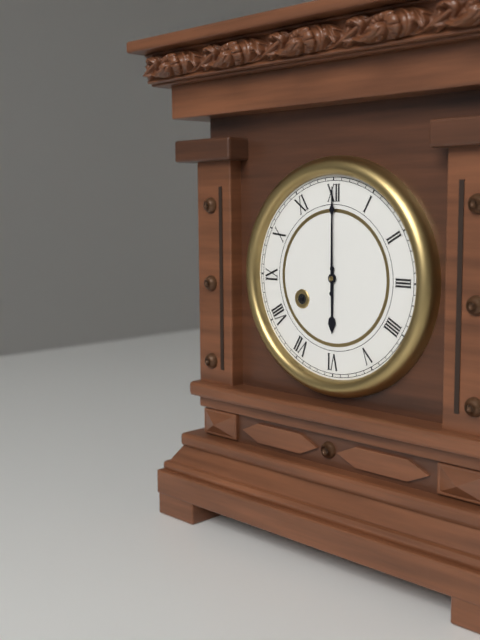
6:00
